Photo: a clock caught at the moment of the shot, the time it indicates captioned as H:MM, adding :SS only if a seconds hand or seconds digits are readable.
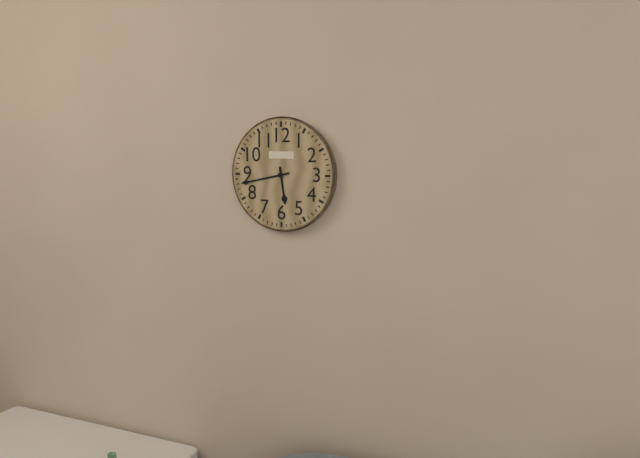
5:43
